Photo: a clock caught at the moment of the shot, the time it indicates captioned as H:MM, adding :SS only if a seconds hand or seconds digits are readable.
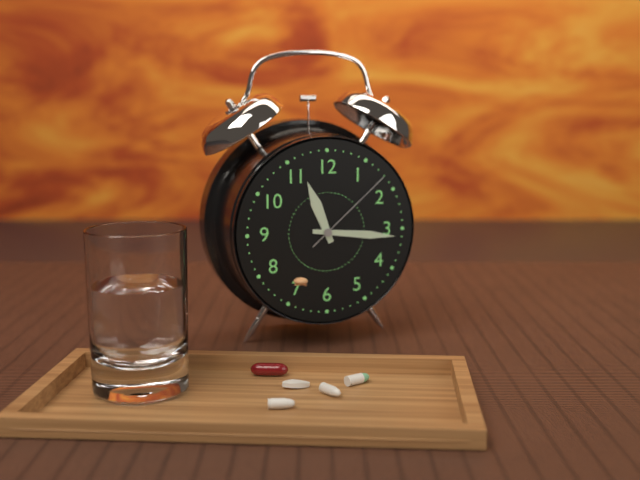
11:16:08
